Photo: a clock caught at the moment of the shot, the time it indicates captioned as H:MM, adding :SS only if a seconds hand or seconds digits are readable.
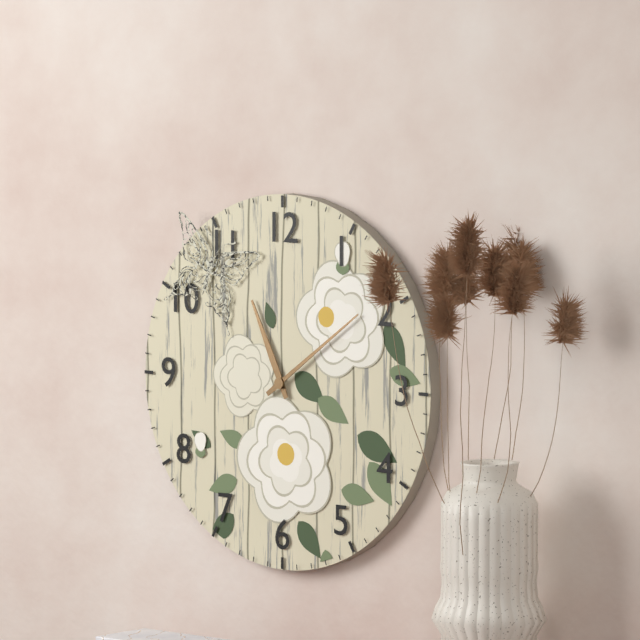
11:09
